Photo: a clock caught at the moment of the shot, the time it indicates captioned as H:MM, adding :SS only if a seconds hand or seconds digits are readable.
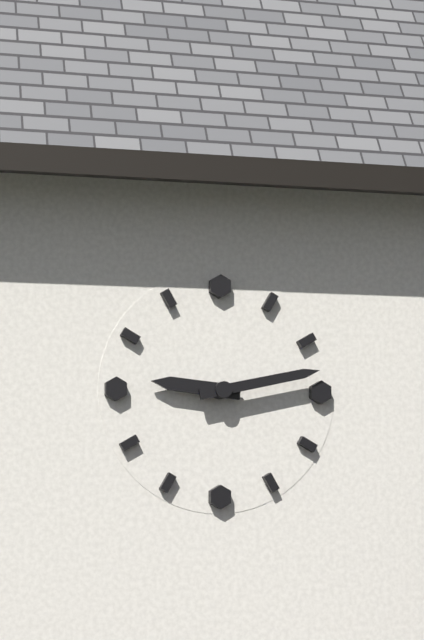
9:13
